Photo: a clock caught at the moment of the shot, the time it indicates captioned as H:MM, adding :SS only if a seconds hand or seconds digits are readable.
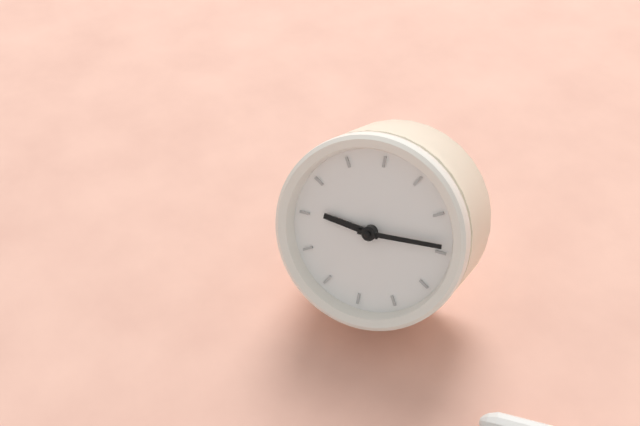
8:09
